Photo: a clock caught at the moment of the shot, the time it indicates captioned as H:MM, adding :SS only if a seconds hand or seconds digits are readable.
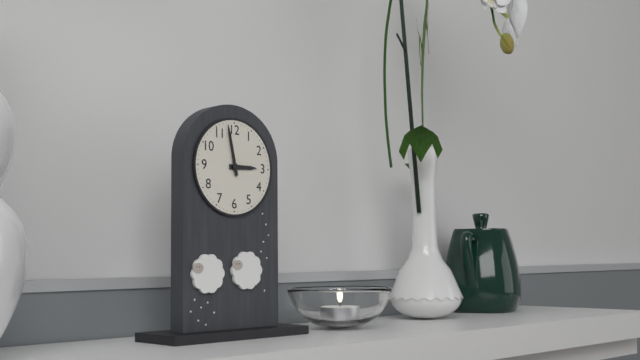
2:58
